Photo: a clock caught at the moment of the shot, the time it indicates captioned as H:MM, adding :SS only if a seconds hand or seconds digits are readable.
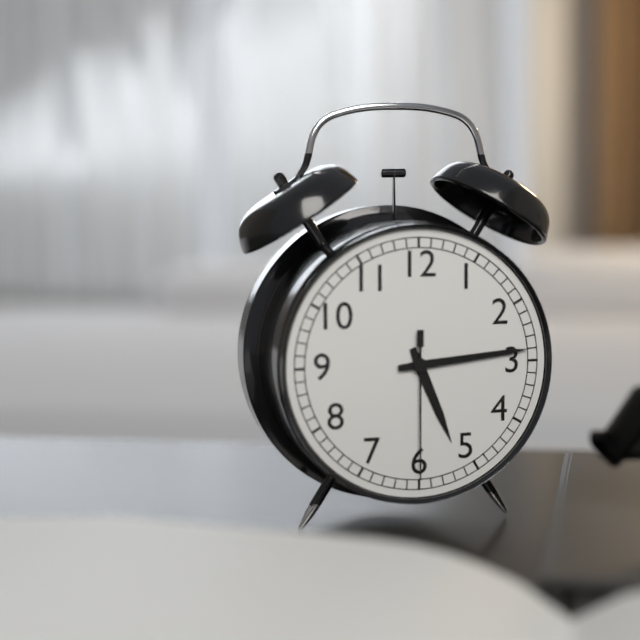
5:14:30
